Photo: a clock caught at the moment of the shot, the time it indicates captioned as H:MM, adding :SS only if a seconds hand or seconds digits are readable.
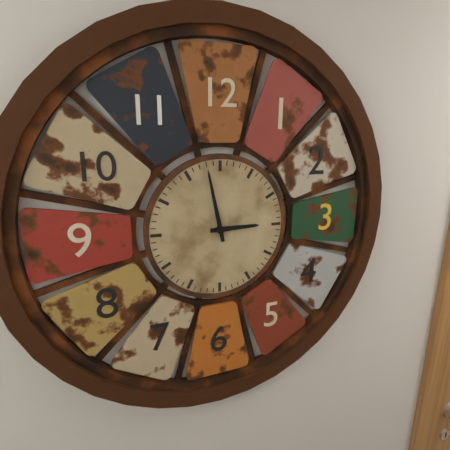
2:58
